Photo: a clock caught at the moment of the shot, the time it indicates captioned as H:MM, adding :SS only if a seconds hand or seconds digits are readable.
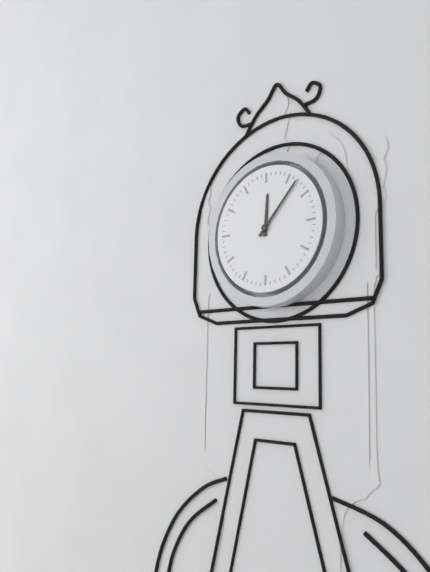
12:07
